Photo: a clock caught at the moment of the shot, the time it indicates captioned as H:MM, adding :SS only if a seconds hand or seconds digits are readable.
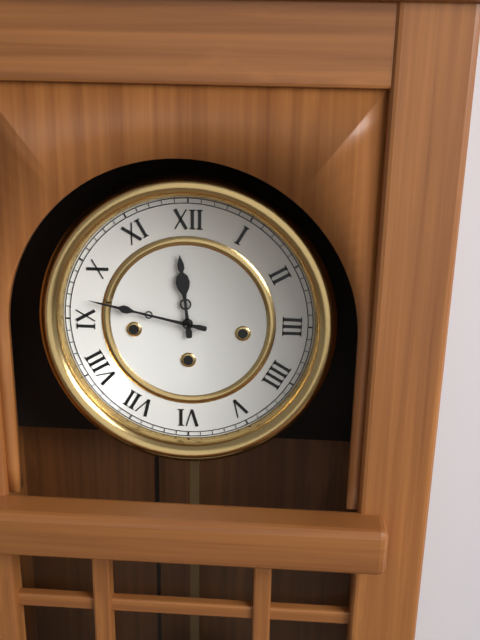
11:47
